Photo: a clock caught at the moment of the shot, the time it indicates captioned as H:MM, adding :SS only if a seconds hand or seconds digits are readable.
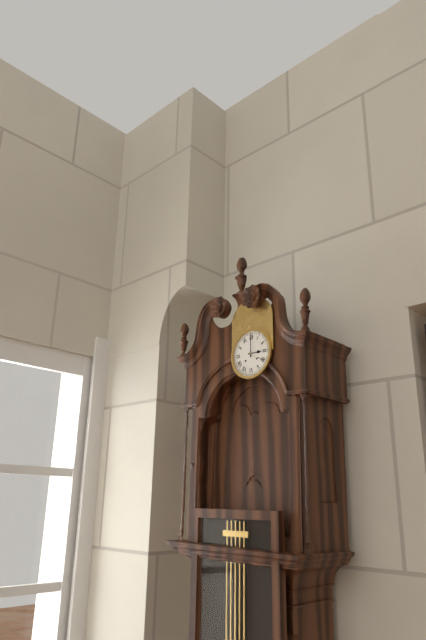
3:00
